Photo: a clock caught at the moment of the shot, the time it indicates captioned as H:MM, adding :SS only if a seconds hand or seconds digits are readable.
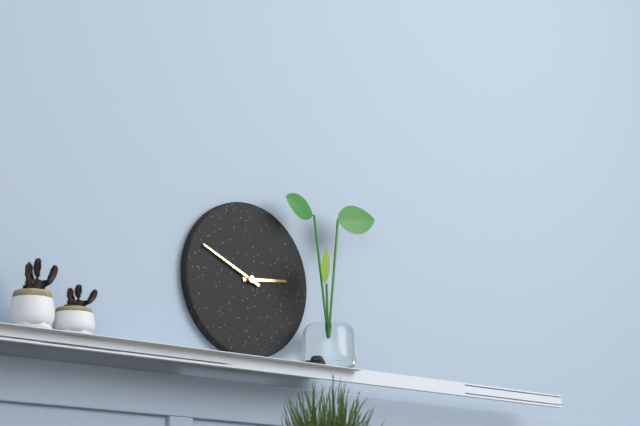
2:49
